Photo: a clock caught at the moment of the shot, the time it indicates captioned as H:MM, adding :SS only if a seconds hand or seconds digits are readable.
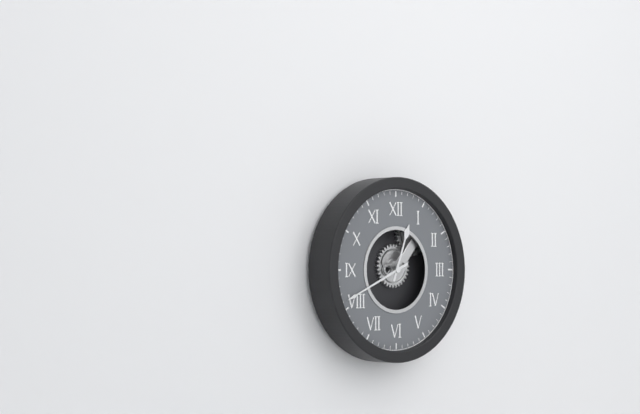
12:41
